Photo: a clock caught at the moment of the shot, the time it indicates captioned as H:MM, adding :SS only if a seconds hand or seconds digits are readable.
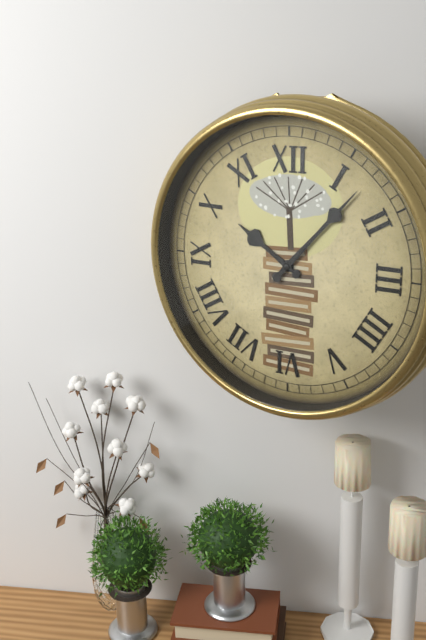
10:07
